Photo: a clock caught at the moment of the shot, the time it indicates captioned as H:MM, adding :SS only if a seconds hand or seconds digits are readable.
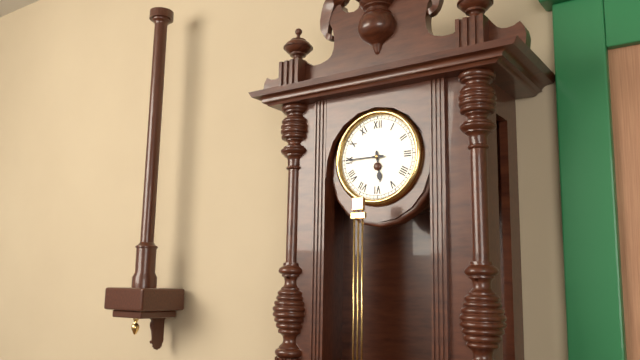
5:45
